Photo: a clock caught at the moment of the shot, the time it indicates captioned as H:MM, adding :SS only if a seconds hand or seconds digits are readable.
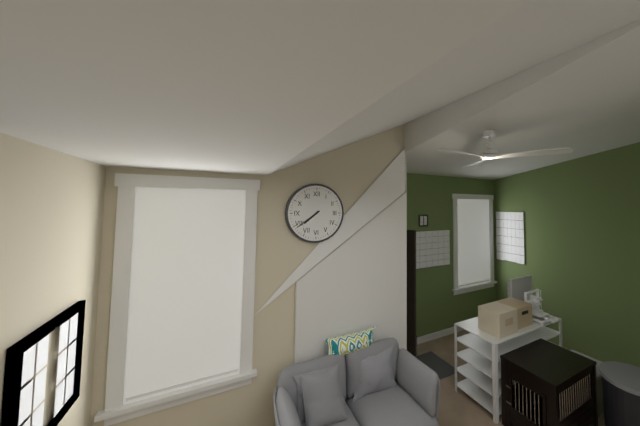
7:39
